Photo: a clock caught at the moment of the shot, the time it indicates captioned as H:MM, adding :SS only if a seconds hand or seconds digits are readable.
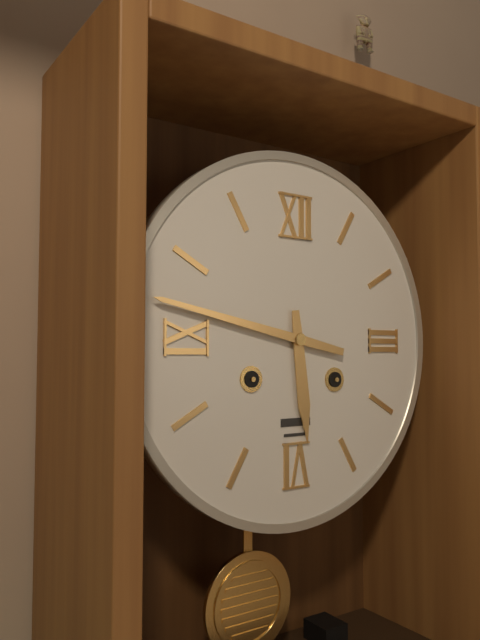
5:47
